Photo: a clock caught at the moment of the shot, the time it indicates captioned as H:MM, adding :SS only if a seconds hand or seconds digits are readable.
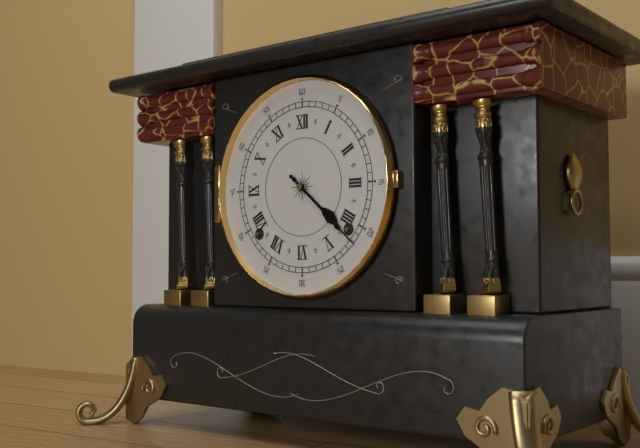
4:22
